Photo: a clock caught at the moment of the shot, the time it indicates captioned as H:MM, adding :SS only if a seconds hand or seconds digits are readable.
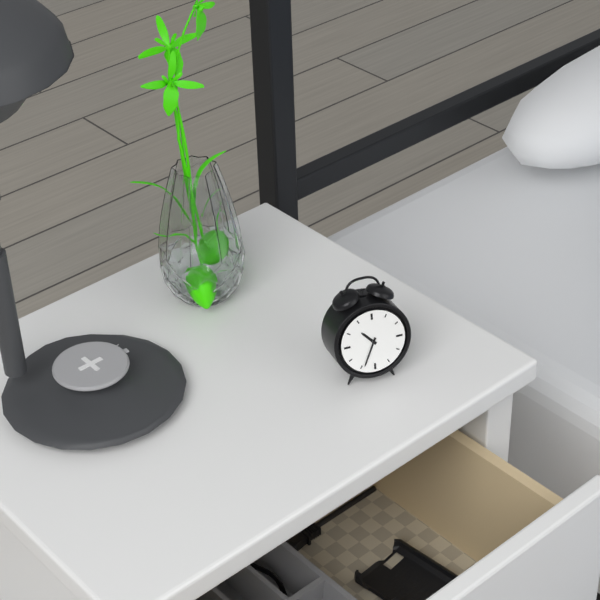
10:34
